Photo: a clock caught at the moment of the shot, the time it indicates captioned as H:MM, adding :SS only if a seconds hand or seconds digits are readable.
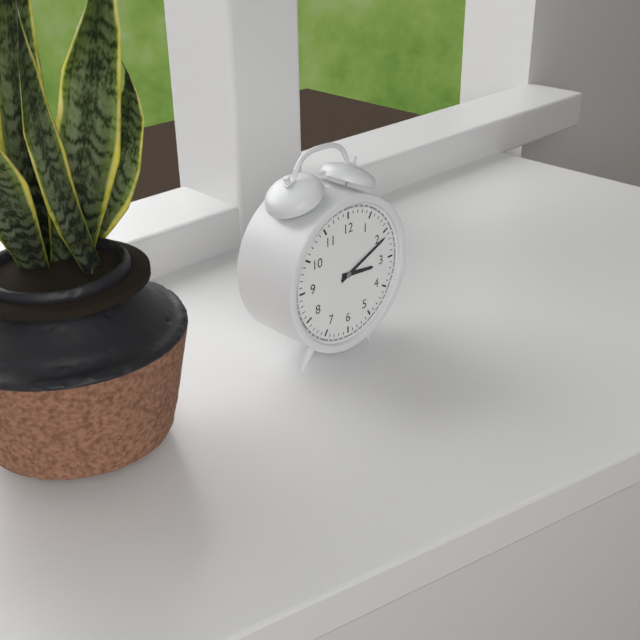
3:11
